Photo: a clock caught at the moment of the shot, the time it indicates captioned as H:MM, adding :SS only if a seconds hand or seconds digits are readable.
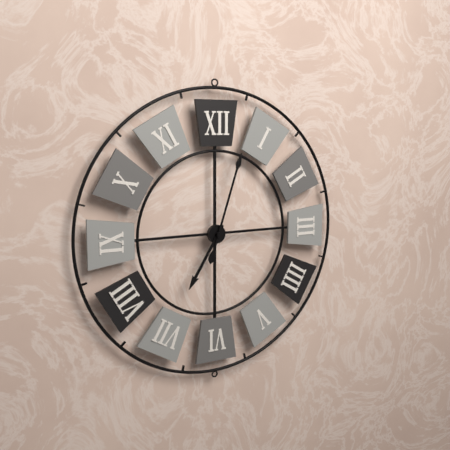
7:03
